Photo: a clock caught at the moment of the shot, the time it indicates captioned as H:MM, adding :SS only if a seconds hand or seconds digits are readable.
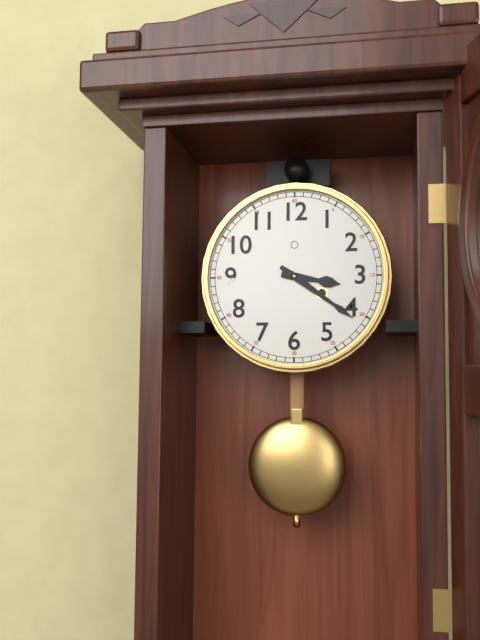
3:21
